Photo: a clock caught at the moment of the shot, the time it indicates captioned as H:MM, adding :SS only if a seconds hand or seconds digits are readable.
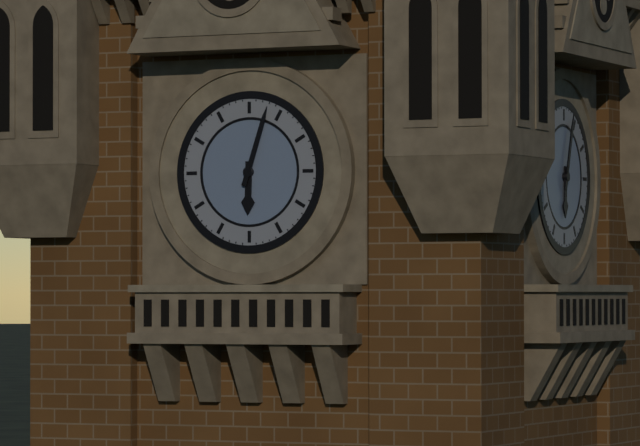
6:03
